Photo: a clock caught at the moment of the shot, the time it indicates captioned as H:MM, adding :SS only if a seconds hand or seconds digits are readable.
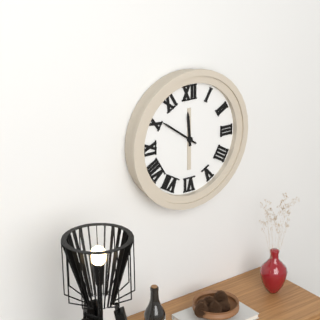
11:51
